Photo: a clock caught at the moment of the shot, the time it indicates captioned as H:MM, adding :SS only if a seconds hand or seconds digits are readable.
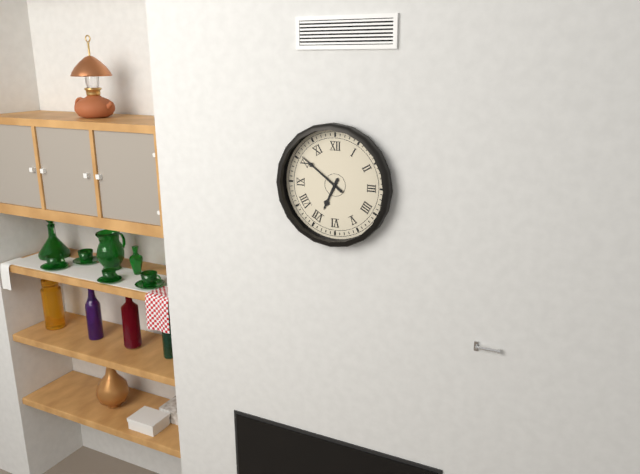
6:51
